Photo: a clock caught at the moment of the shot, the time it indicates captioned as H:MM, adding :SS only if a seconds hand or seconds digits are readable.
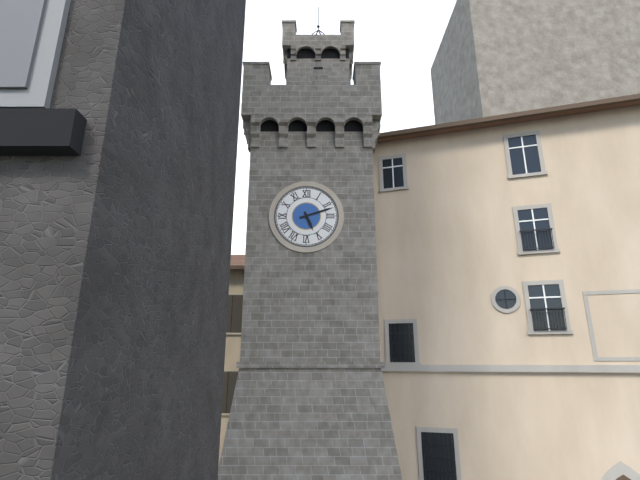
5:12
